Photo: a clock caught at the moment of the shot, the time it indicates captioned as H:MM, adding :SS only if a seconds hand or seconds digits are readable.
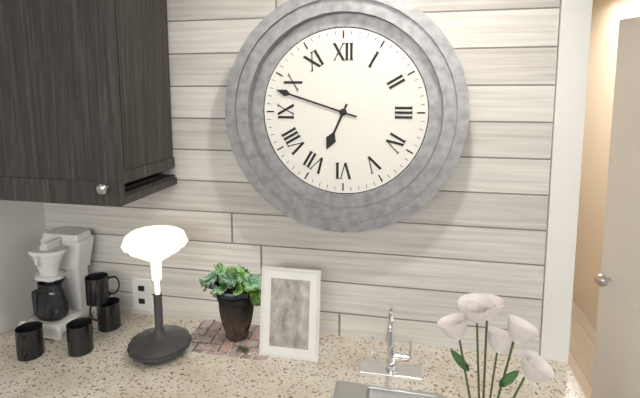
6:48
